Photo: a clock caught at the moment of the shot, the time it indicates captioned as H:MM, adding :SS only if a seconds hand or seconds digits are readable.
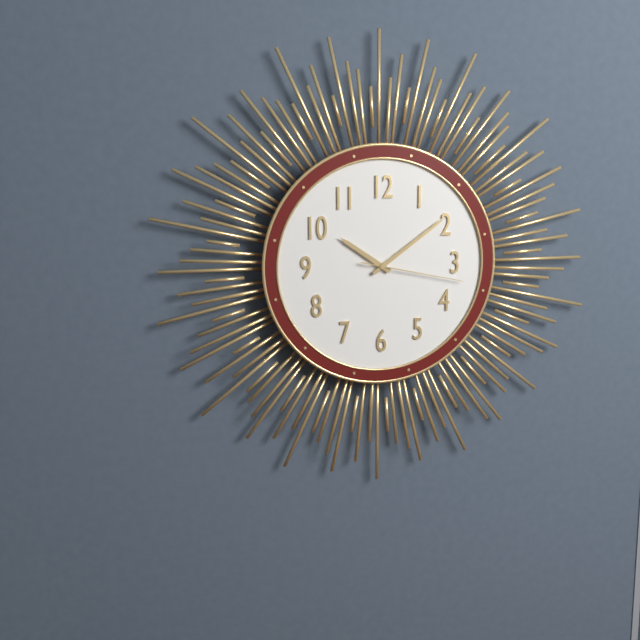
10:09:17
